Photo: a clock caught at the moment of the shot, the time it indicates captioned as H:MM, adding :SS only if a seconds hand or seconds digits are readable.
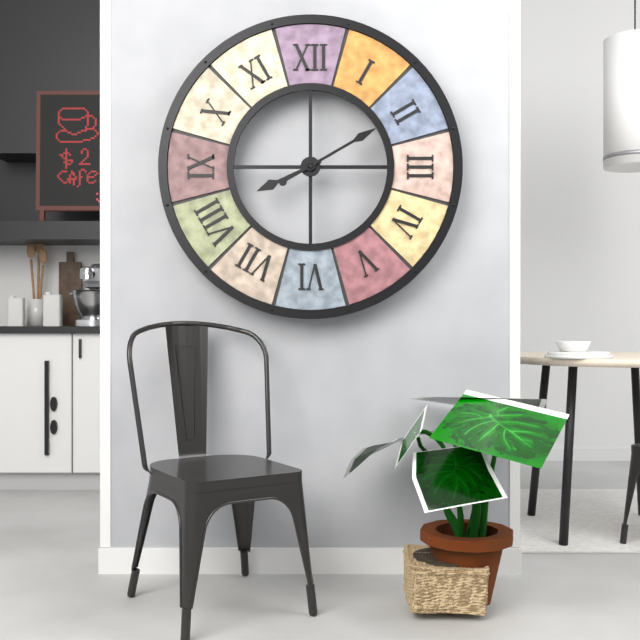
8:10
